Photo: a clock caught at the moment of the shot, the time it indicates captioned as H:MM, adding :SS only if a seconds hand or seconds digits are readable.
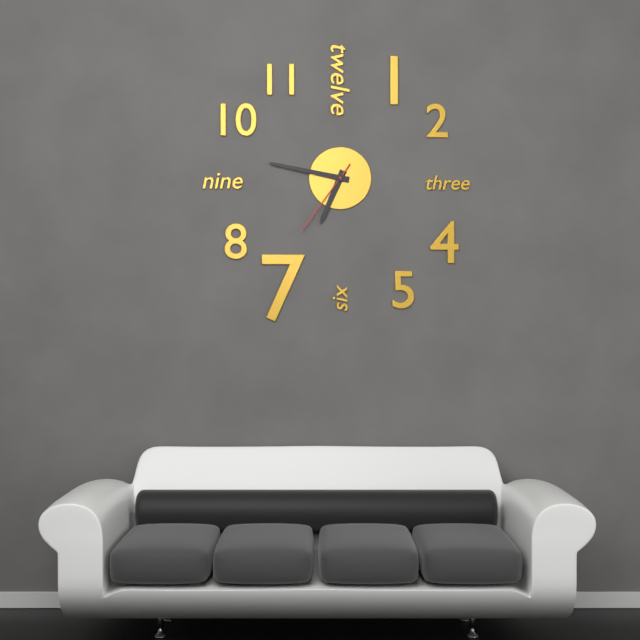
6:47:36
